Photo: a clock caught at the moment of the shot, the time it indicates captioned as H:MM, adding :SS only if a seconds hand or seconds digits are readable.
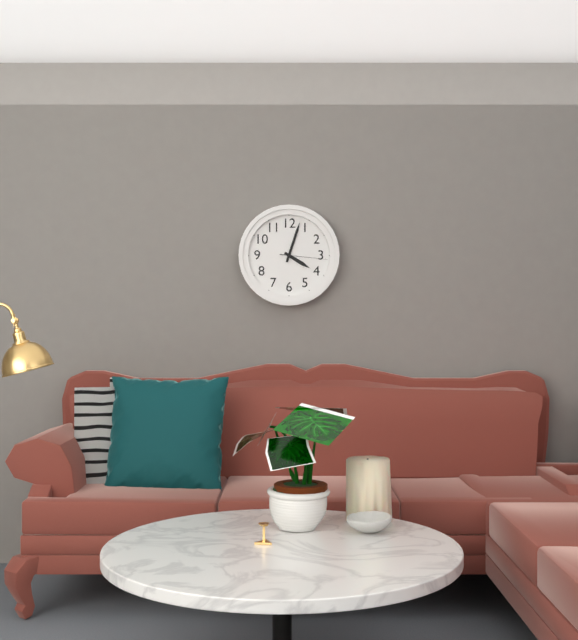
4:03
